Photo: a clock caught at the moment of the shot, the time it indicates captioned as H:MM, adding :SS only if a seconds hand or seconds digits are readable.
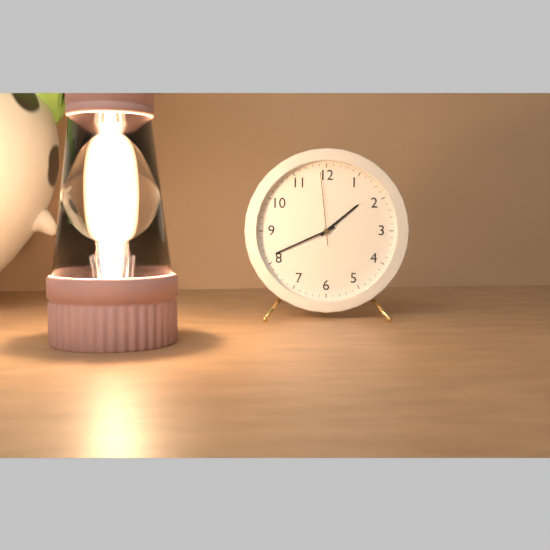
1:41:59
